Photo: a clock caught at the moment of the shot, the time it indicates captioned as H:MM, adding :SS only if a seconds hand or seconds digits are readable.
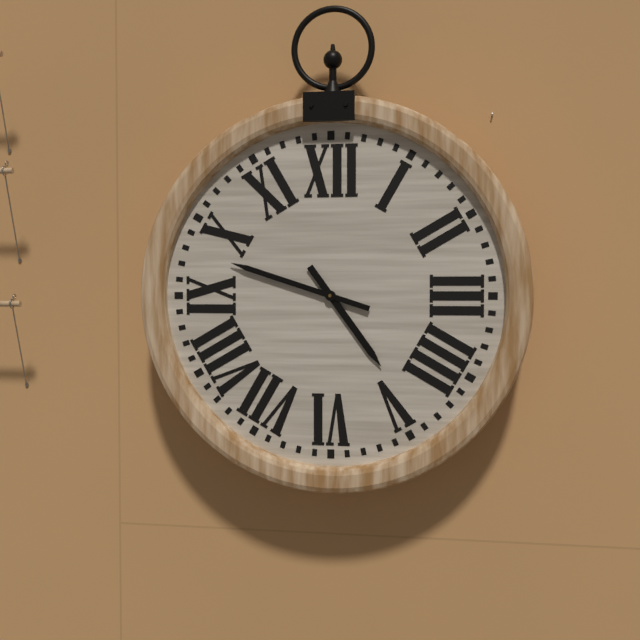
4:48
